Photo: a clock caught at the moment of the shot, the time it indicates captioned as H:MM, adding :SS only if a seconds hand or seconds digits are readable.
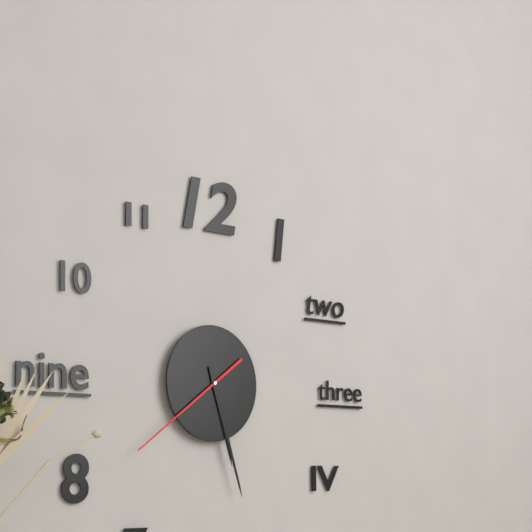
5:27:39
